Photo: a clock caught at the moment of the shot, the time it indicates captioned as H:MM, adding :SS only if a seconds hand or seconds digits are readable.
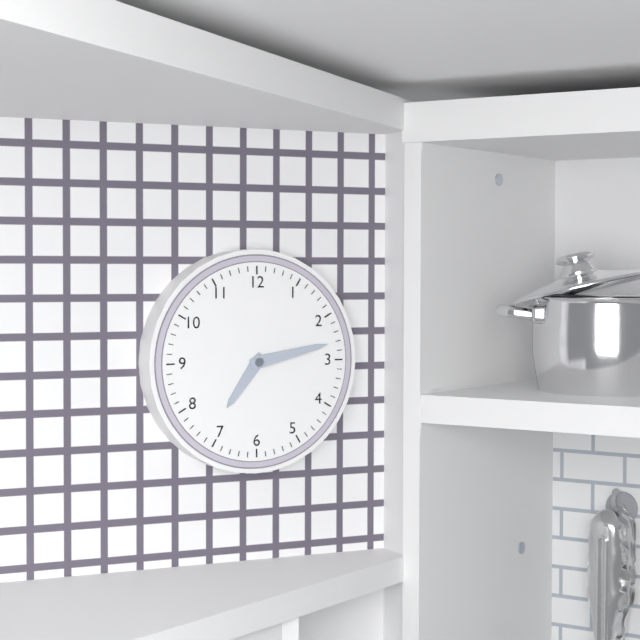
7:13
